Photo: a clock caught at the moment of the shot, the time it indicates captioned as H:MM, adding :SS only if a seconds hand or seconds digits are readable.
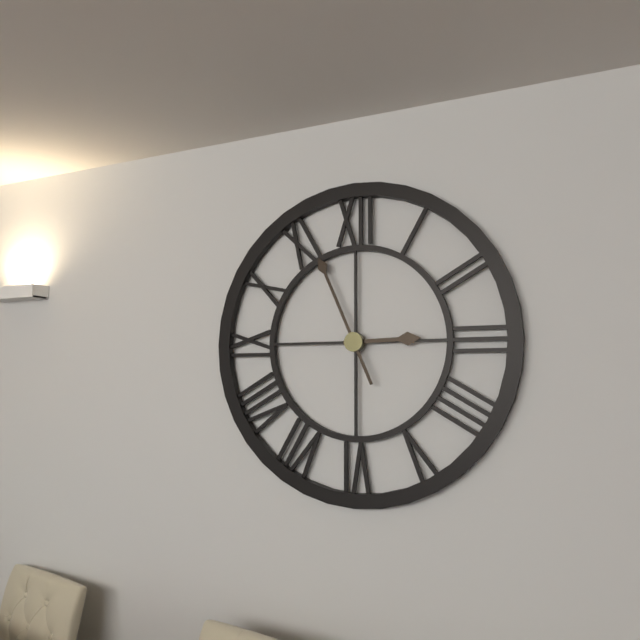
2:56
